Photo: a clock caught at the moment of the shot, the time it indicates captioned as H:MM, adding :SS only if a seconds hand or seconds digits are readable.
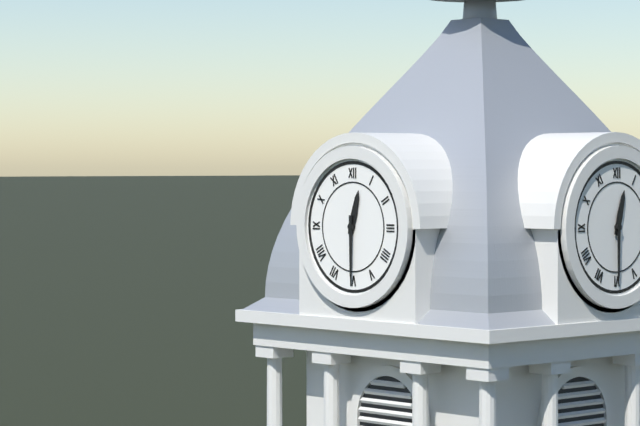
12:30
